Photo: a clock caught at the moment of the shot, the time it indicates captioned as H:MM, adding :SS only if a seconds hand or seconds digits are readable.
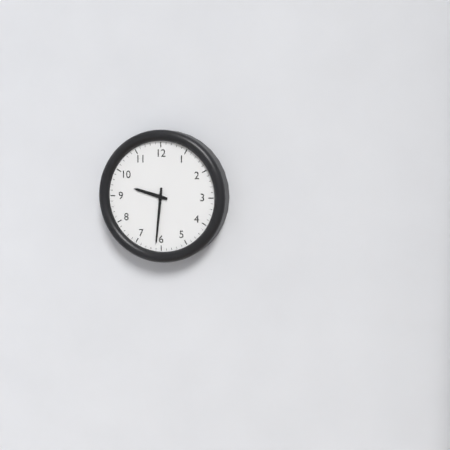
9:31
